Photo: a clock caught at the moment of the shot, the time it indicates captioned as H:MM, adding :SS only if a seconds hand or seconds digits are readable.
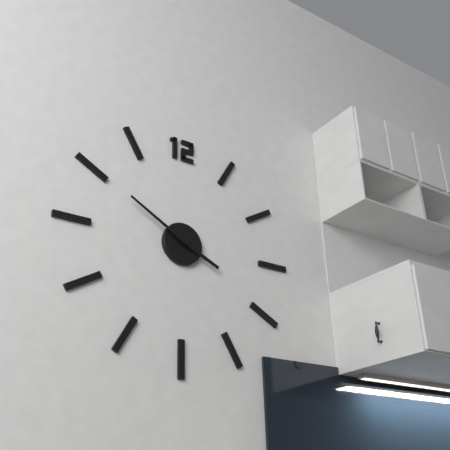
3:50
